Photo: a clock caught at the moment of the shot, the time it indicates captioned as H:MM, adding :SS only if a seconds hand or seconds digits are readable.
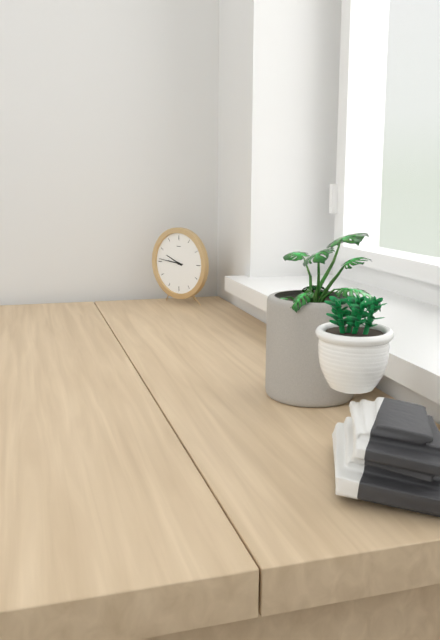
9:46
